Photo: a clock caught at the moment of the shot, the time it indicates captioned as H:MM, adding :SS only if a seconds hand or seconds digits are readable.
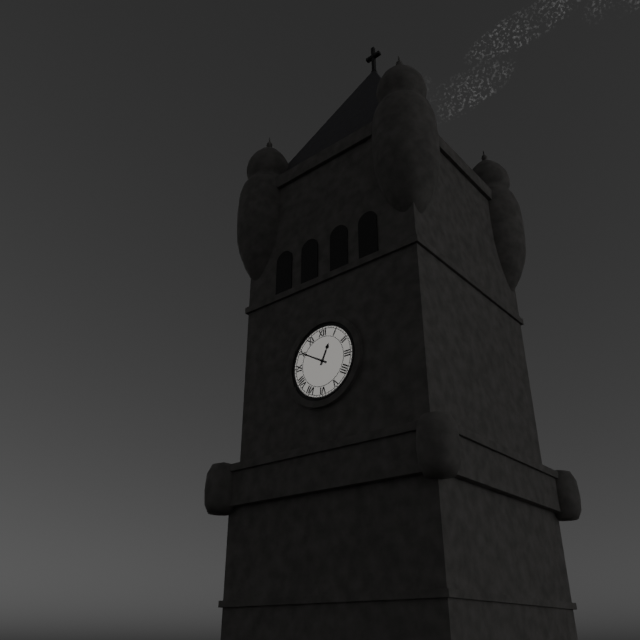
12:50
